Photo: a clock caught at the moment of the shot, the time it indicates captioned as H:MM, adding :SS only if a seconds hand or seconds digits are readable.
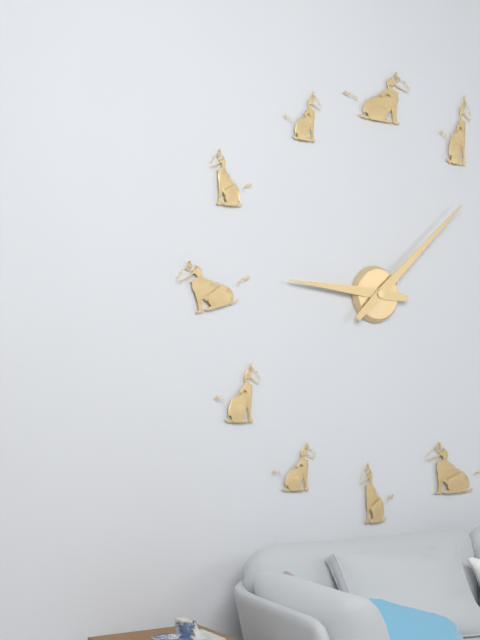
9:08
